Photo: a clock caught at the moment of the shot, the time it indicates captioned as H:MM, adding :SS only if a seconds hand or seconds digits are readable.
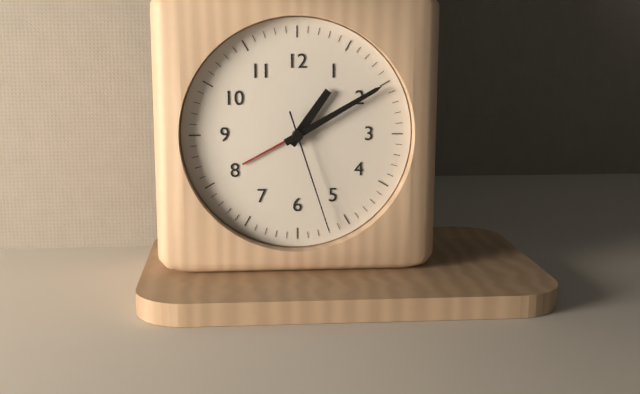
1:10:27
